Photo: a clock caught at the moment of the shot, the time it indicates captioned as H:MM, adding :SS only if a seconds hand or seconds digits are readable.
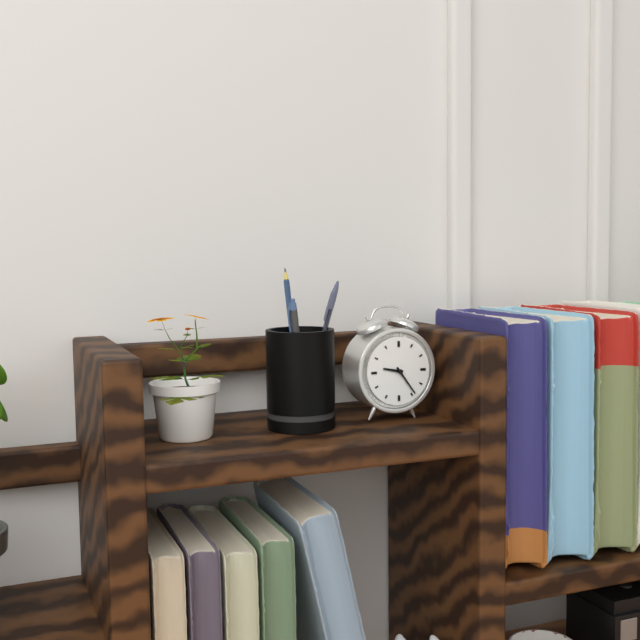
9:24
